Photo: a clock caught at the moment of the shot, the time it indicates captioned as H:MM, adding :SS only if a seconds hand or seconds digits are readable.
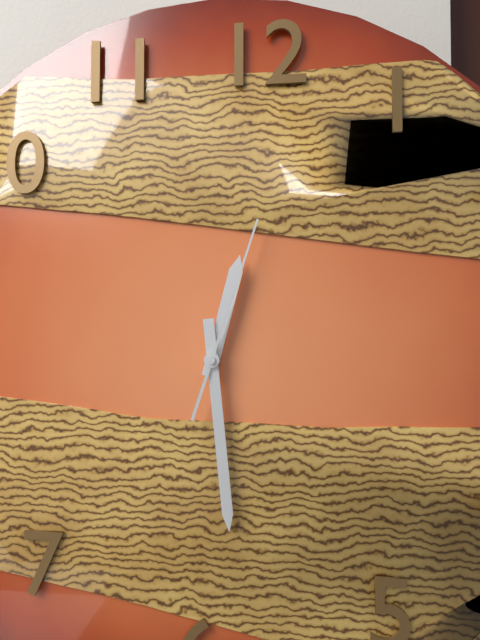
12:29:03
